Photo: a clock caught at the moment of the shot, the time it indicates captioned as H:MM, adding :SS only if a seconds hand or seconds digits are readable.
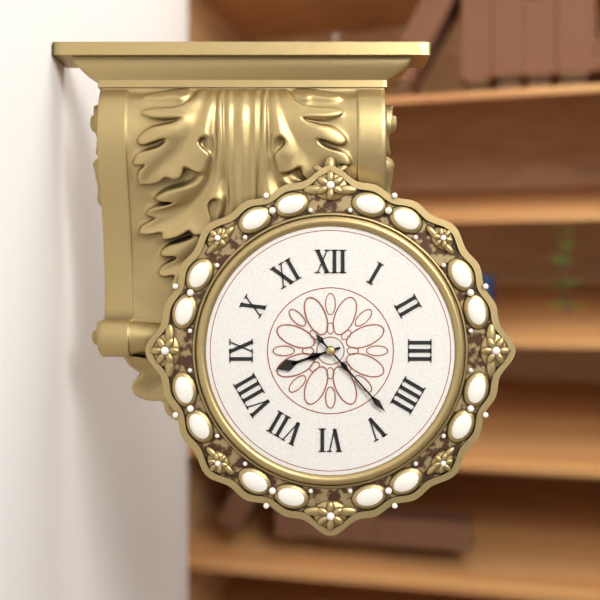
8:23
